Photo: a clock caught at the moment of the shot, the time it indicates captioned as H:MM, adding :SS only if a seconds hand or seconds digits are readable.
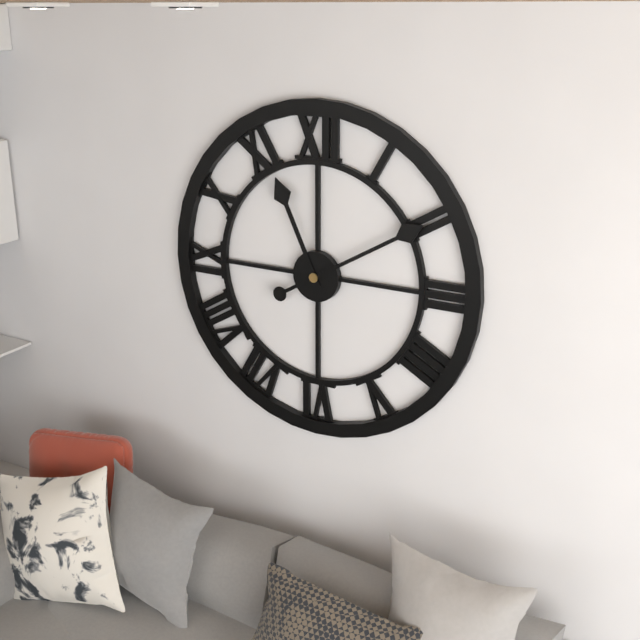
11:10
